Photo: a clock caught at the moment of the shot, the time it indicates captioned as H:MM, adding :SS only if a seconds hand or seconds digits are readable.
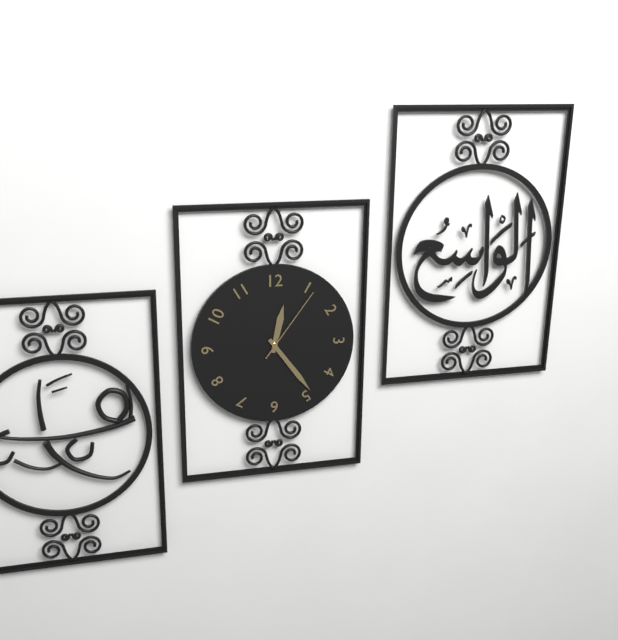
12:24:06
